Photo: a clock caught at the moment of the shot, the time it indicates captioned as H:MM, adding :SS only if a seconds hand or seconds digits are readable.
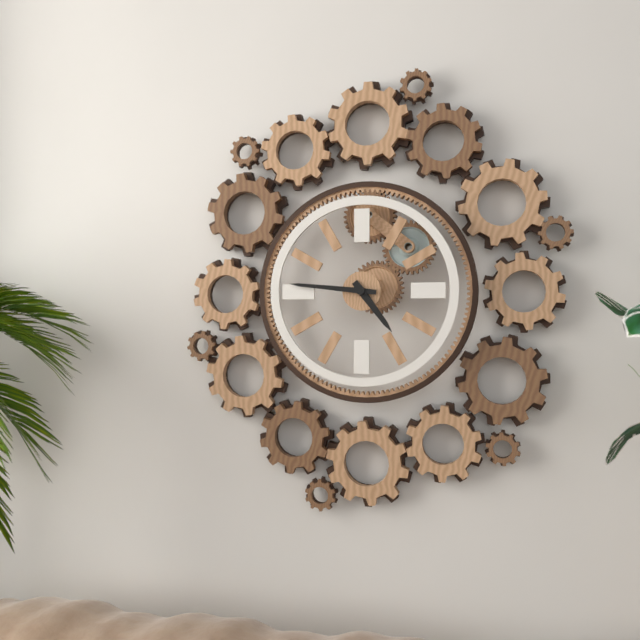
4:46
